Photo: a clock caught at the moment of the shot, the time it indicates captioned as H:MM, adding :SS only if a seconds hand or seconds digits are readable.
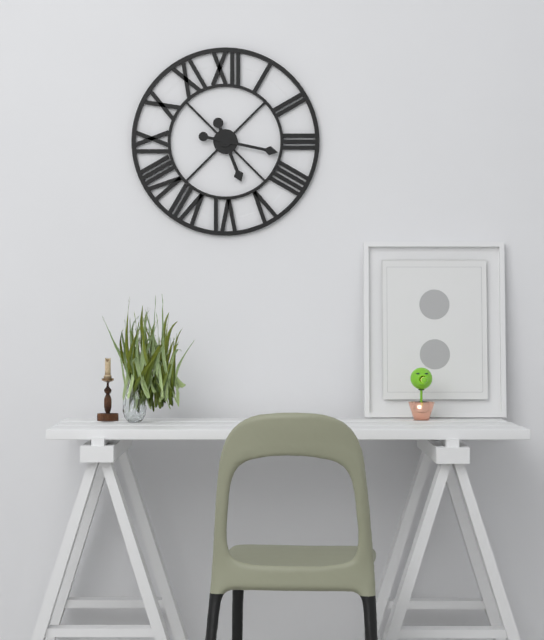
5:17
